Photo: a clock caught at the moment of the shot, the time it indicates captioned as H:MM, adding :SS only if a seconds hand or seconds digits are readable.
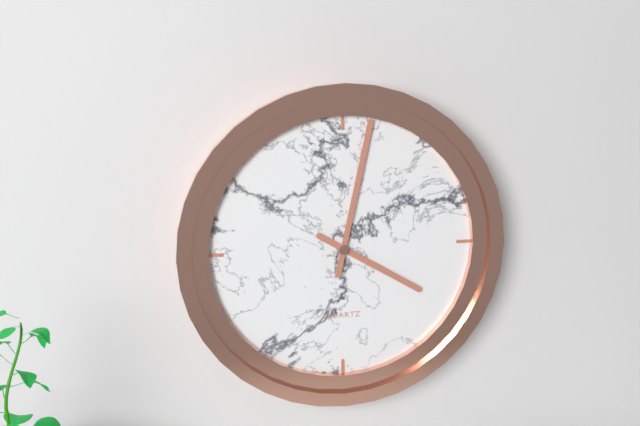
4:02
